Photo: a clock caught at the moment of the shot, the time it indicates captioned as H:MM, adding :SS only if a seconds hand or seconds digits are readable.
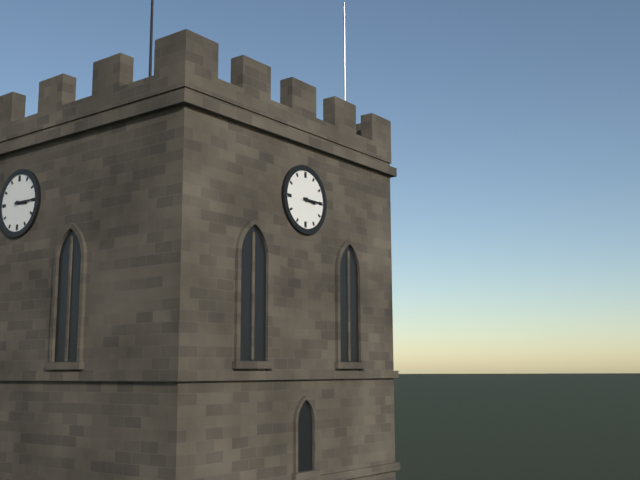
3:15
